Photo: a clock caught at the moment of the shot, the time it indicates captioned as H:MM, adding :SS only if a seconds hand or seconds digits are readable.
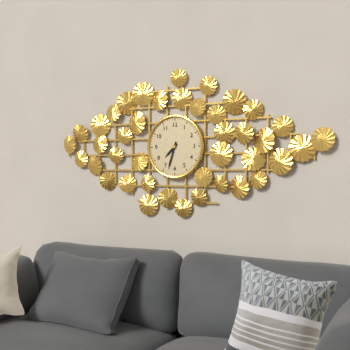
7:33
